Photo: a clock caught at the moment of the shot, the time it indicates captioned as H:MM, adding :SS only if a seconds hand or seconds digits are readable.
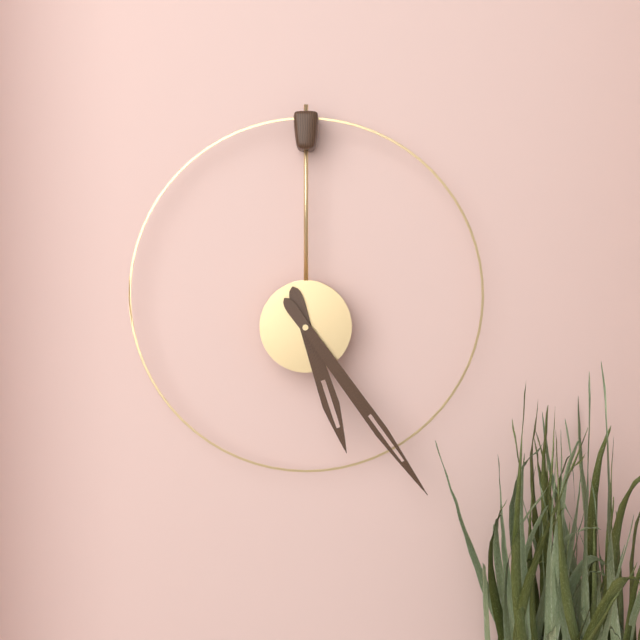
5:24
